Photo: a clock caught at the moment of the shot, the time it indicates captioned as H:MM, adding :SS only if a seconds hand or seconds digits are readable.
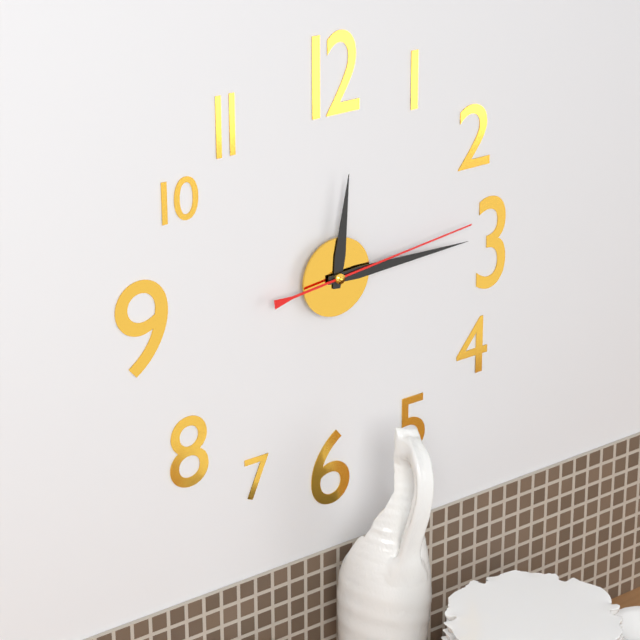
12:15:14
